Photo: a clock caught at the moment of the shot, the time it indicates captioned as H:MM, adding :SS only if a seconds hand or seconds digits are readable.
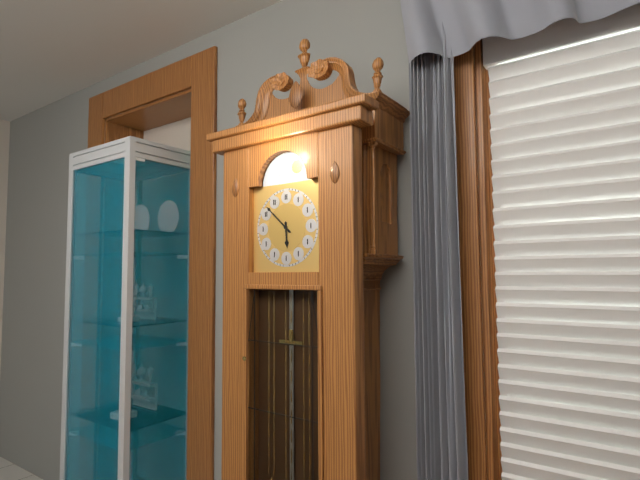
5:52
